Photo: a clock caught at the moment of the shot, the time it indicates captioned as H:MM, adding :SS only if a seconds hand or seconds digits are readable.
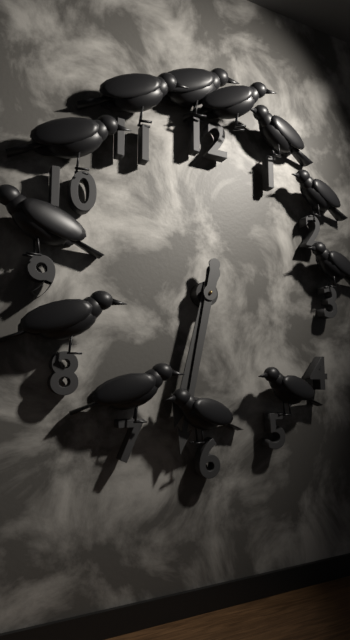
6:32
